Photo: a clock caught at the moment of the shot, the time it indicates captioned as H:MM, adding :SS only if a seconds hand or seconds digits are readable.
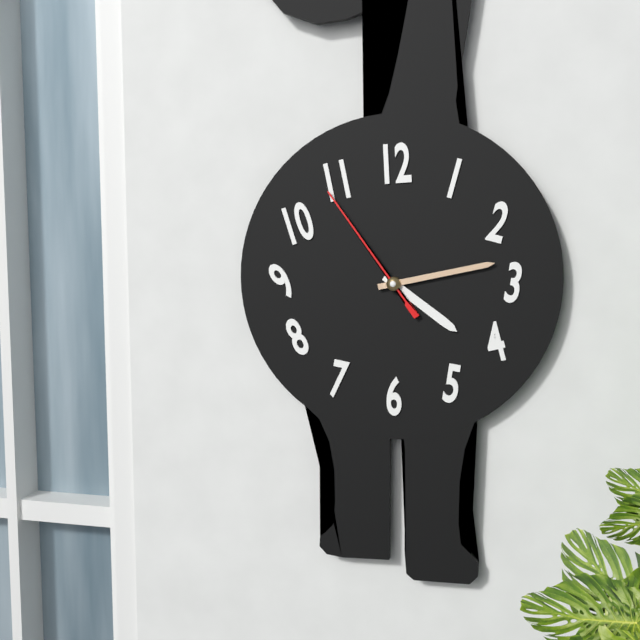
4:13:54
